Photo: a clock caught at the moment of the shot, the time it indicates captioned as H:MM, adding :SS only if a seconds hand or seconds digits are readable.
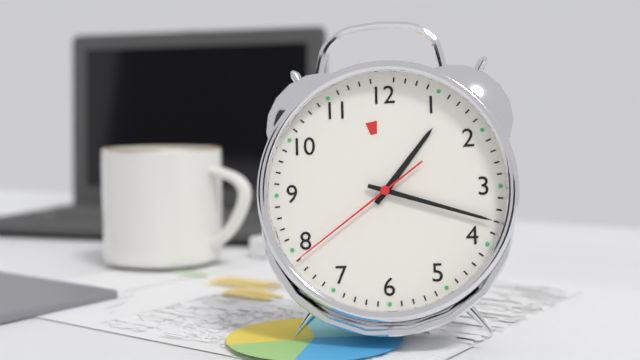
1:18:39
